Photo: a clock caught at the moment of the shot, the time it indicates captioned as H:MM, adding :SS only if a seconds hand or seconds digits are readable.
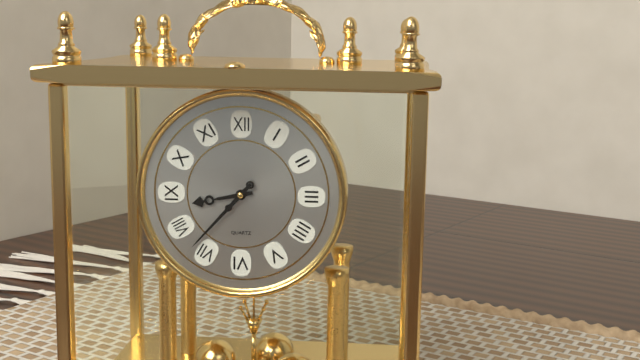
8:37
